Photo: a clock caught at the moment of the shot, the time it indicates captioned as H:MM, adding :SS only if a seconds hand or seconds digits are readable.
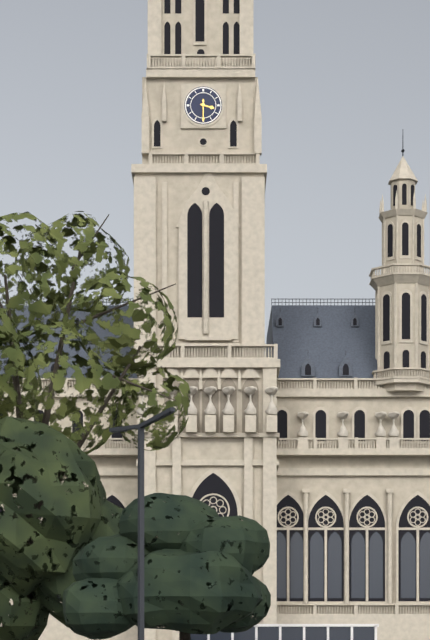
3:30
